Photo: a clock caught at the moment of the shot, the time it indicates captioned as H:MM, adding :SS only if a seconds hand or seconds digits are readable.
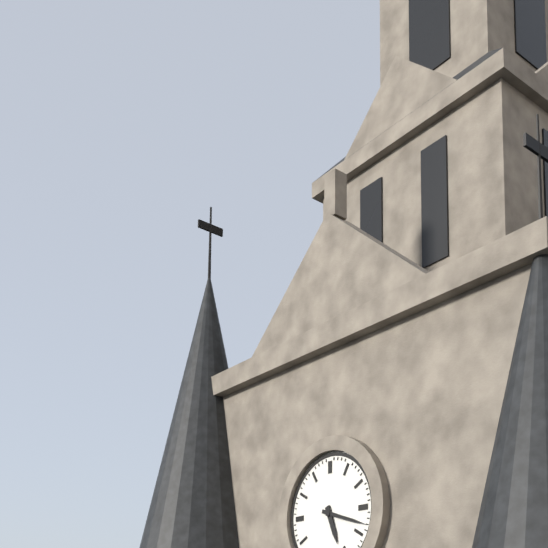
5:18
